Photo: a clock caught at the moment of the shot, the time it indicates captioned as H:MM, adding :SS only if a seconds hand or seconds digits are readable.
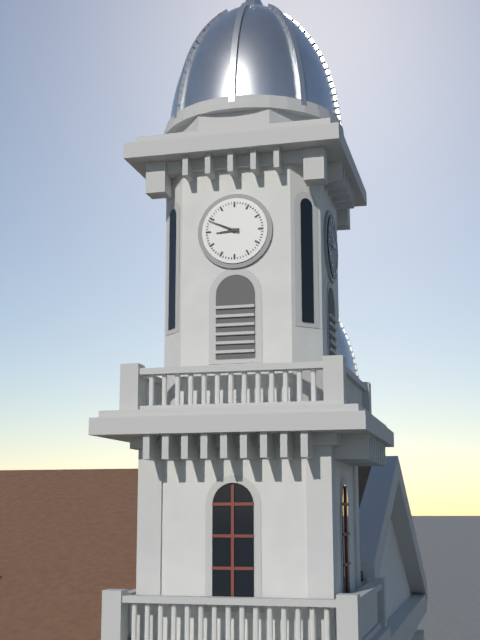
8:49
